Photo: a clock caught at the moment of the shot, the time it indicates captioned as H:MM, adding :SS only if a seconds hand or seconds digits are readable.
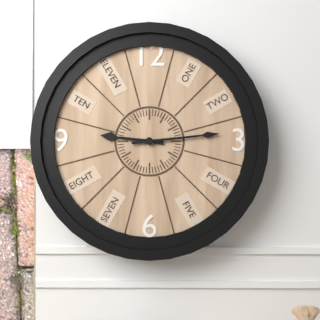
9:14
